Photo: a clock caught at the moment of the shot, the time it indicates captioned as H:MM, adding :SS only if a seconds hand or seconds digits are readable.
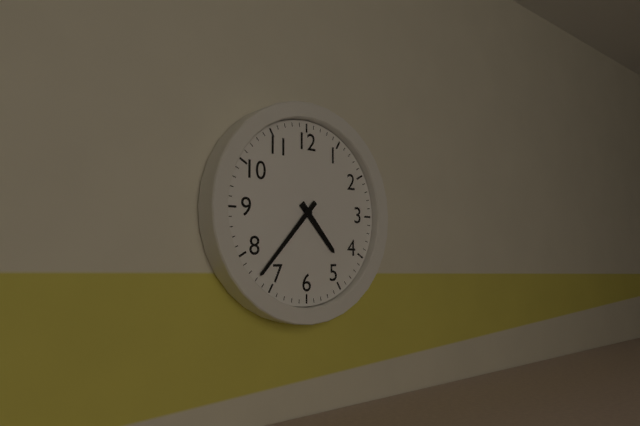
4:37
